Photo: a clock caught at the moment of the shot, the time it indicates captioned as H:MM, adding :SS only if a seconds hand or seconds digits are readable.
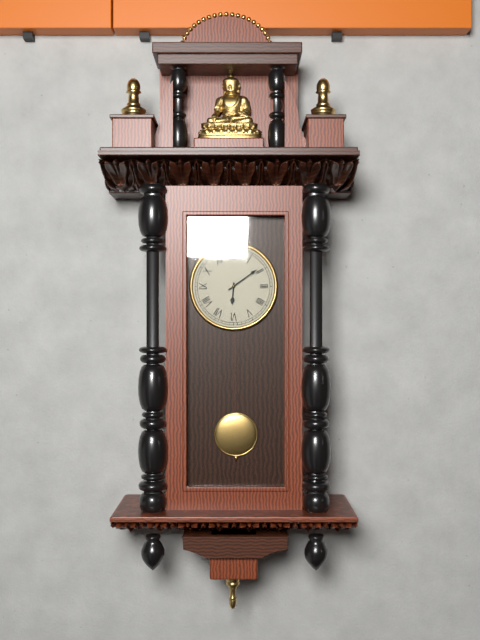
6:09
